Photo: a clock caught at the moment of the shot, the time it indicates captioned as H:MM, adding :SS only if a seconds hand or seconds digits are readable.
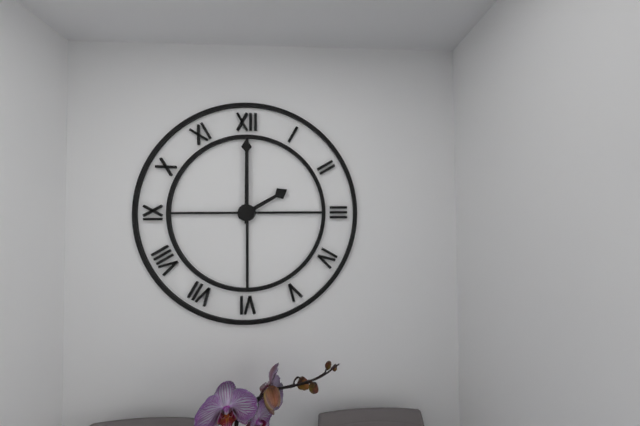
2:00
